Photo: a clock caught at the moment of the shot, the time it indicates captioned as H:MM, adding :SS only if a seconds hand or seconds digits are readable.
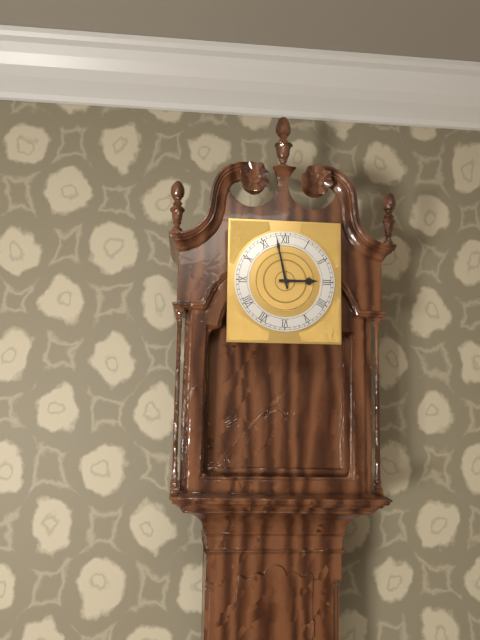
2:58
